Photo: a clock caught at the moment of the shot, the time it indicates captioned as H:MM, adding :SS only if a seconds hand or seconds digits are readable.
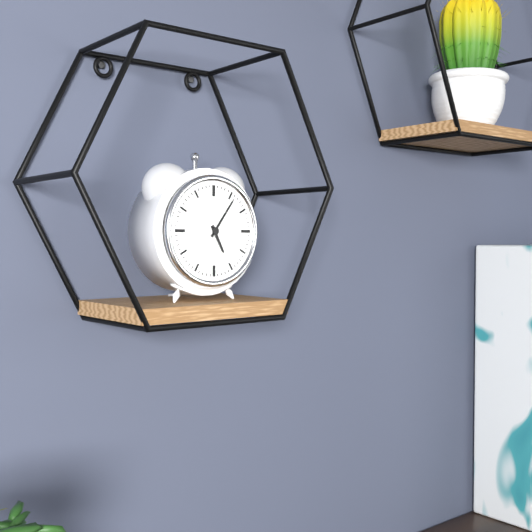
5:06
